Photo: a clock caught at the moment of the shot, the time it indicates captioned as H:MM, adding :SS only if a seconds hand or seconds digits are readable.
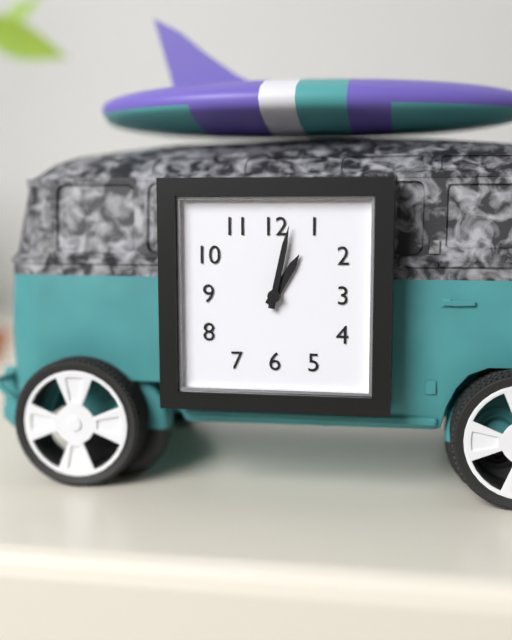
1:02
